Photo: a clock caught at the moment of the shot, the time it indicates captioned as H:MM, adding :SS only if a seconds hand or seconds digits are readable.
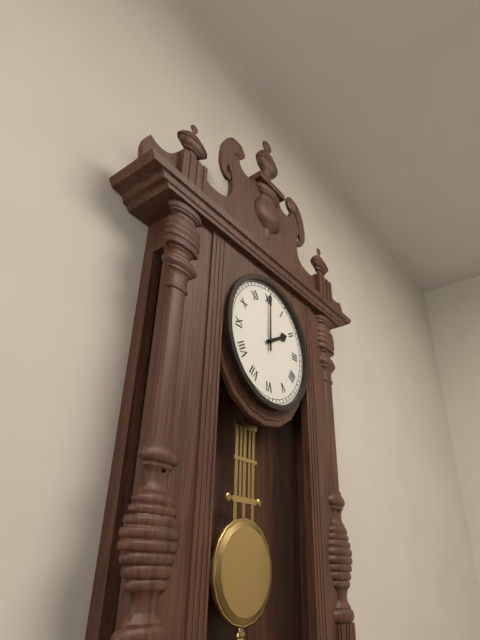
2:00
